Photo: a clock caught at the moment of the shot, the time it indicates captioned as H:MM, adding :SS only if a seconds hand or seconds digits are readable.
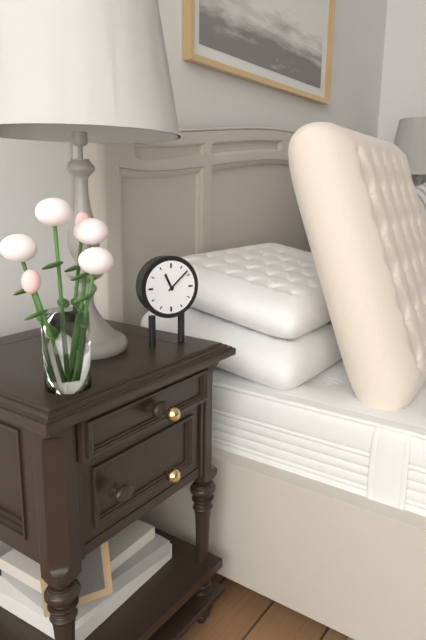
11:08
